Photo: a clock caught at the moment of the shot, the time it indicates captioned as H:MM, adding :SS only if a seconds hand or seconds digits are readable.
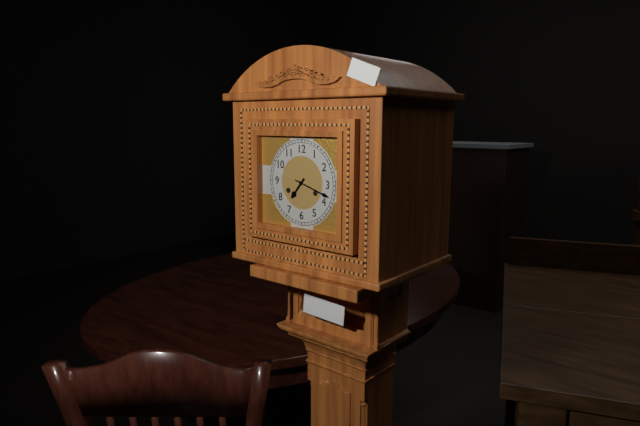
7:18
